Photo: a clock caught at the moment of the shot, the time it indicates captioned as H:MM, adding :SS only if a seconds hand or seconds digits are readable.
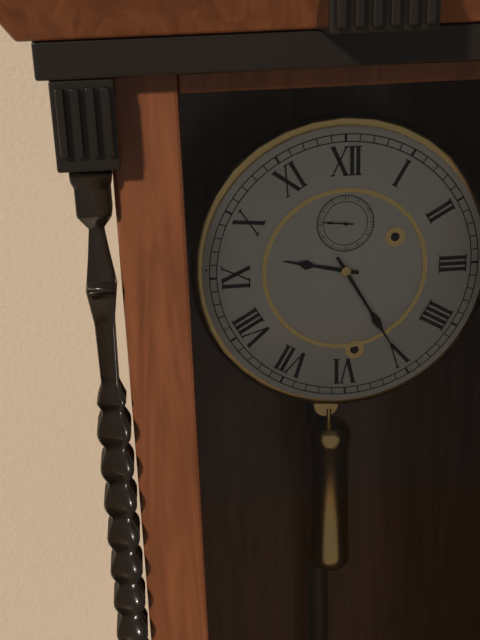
9:25
